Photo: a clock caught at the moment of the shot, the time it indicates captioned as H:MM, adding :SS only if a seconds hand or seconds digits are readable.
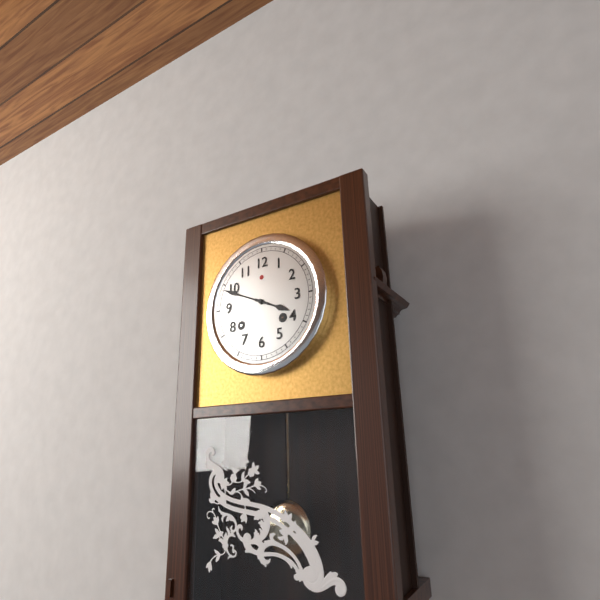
3:49
